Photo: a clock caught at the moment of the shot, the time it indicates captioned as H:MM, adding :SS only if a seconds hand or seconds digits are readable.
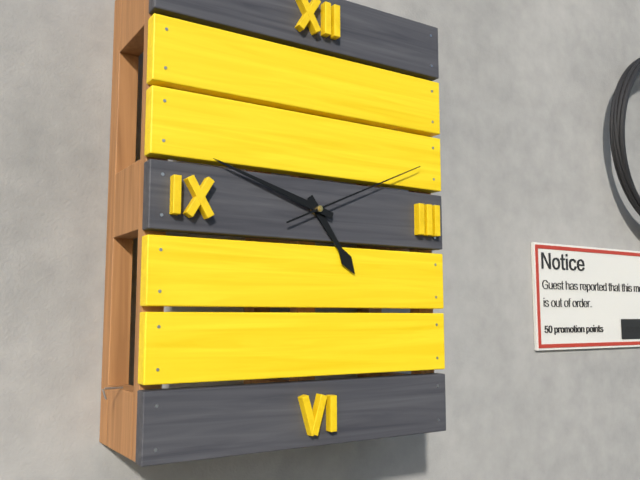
4:48:11
